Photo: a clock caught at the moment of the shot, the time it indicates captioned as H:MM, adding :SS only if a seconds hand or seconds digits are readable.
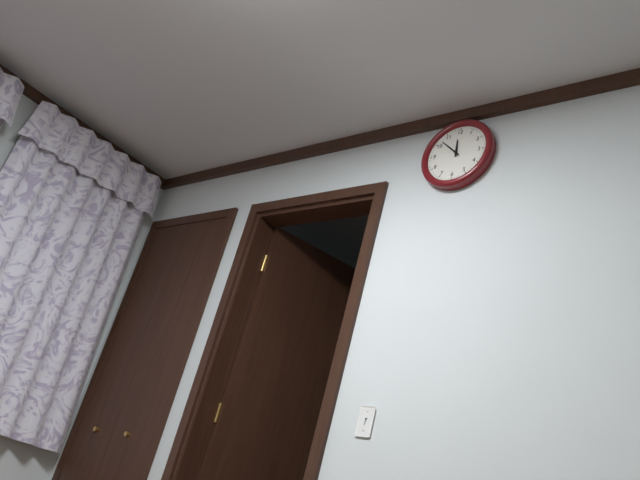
11:52
